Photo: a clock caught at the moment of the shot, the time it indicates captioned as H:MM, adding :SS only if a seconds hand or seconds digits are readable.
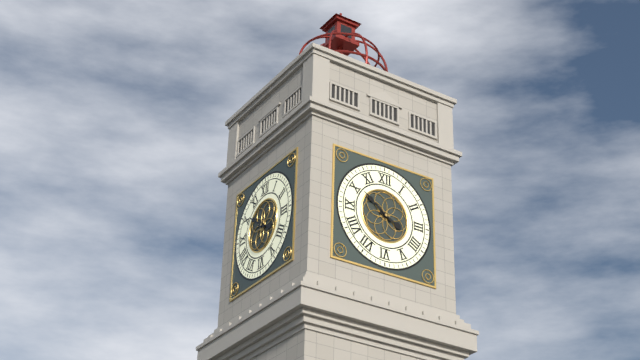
3:51
